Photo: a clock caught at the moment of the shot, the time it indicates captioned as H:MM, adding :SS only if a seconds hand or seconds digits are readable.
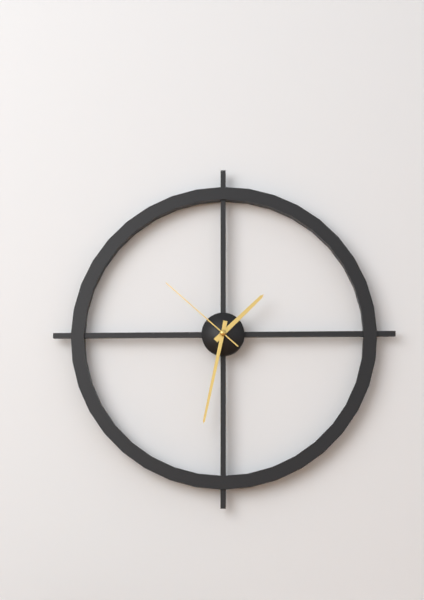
1:32:52
